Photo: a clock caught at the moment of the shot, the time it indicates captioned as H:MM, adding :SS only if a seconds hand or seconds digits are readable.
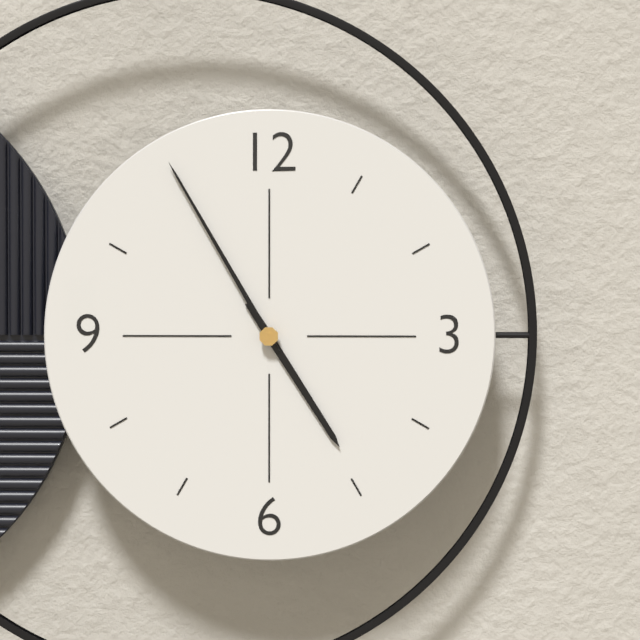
4:55
